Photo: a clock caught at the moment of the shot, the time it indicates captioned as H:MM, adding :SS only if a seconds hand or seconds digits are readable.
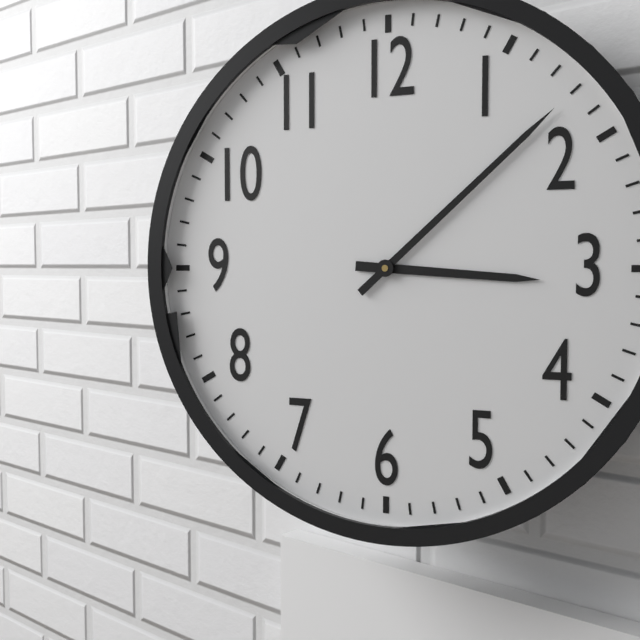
3:08
